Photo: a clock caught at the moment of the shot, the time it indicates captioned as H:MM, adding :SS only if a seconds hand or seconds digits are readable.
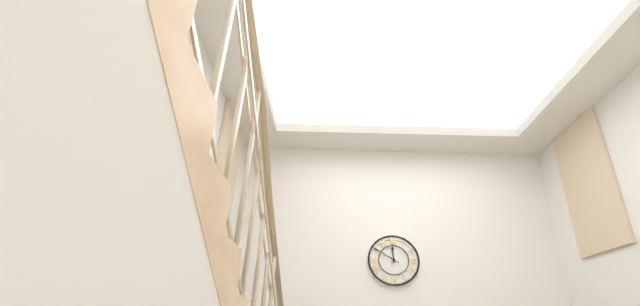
11:50
